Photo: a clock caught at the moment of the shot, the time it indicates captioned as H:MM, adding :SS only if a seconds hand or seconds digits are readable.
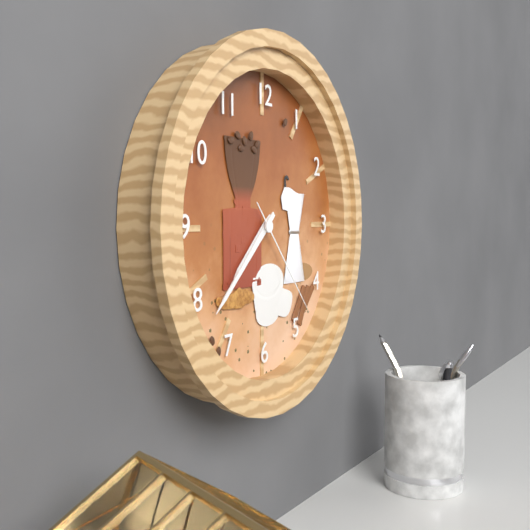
7:38:23
